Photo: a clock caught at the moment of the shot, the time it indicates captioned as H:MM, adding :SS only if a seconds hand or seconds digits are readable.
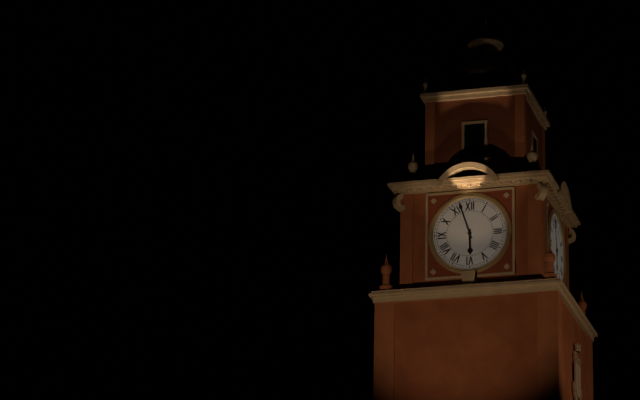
5:57
